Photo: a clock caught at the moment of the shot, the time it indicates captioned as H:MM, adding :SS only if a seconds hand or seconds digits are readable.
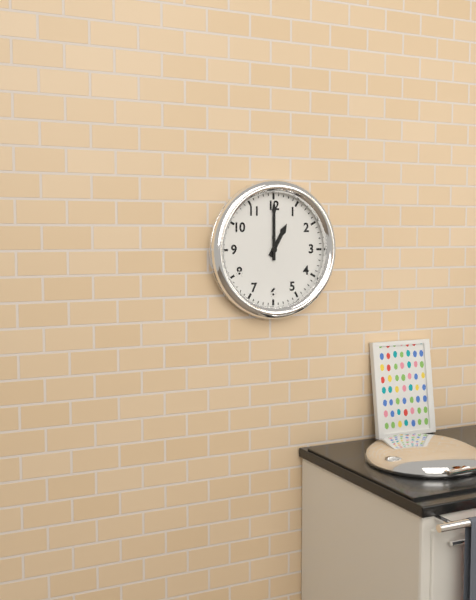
1:00
